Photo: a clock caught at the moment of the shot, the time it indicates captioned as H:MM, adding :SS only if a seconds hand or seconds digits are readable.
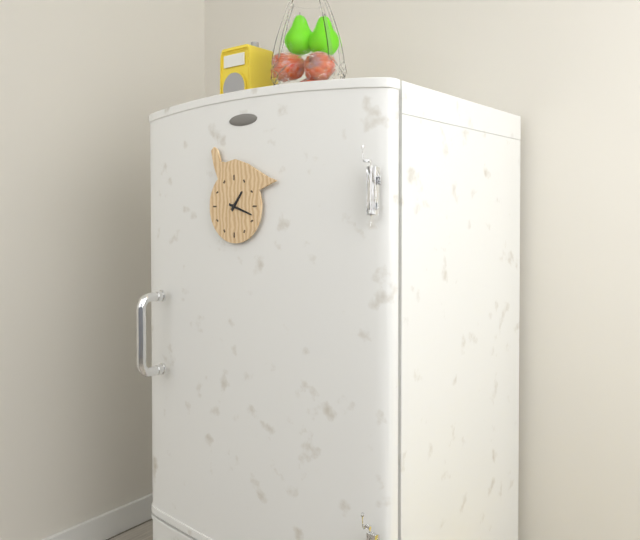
1:18
